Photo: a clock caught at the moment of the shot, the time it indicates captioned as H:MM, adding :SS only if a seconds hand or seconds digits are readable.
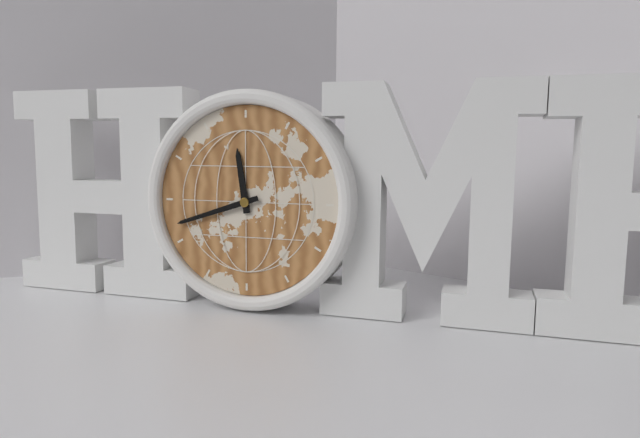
11:42
